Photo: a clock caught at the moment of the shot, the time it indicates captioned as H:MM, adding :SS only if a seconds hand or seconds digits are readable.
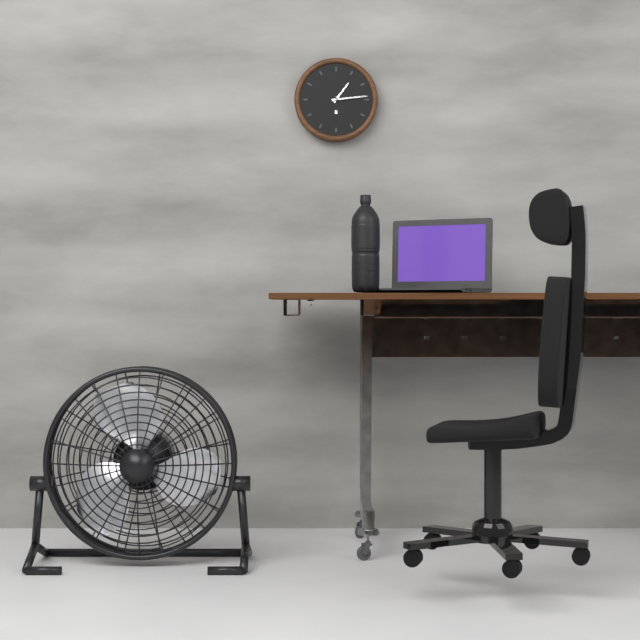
1:14
